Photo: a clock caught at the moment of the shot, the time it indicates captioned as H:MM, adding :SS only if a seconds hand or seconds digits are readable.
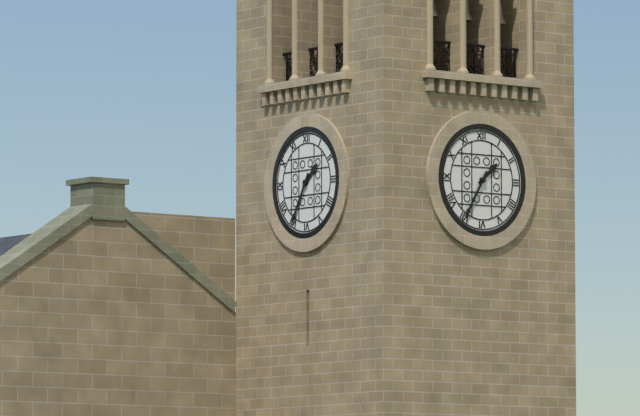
1:35
